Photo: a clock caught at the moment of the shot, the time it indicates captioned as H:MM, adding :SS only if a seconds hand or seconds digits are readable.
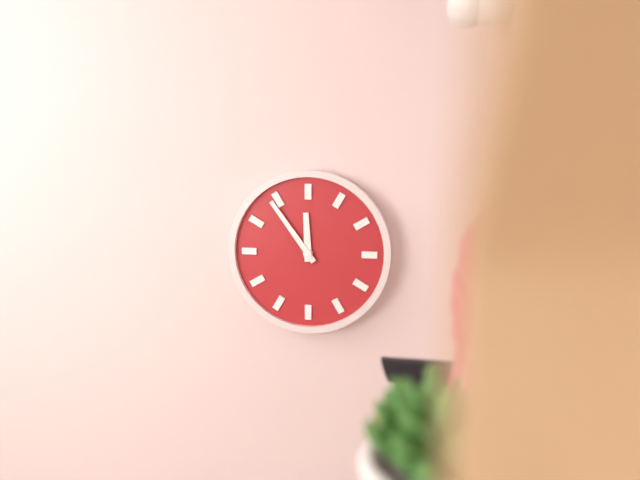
11:54
